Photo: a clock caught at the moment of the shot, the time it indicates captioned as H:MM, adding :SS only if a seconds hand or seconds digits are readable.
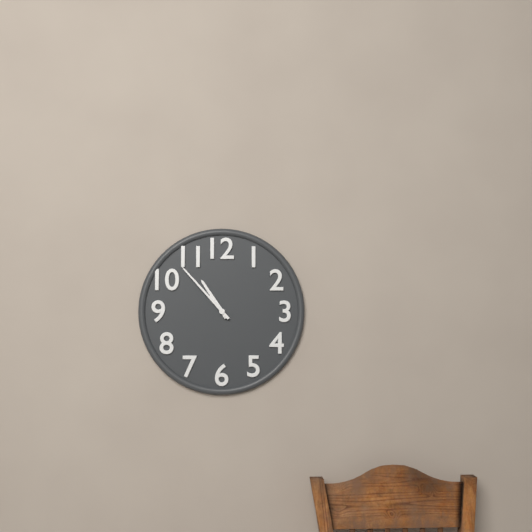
10:53
